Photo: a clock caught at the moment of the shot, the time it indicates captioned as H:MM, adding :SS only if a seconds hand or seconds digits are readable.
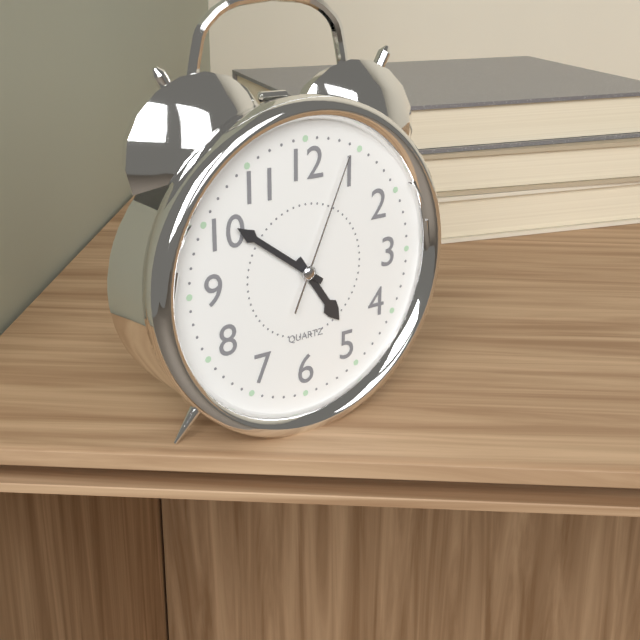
4:51:04
